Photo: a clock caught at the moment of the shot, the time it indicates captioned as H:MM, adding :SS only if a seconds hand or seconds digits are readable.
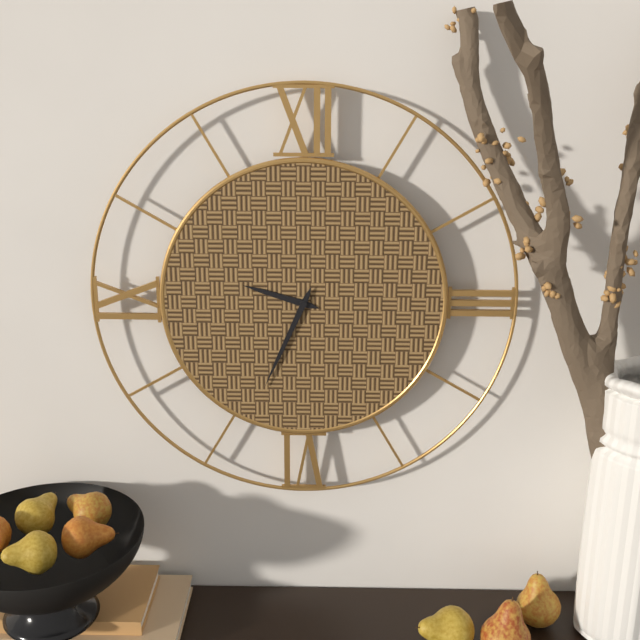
9:34
